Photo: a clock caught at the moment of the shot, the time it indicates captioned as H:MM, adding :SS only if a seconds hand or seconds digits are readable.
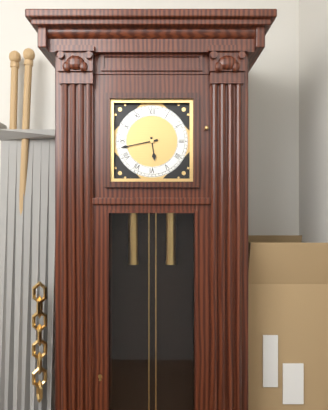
5:43
